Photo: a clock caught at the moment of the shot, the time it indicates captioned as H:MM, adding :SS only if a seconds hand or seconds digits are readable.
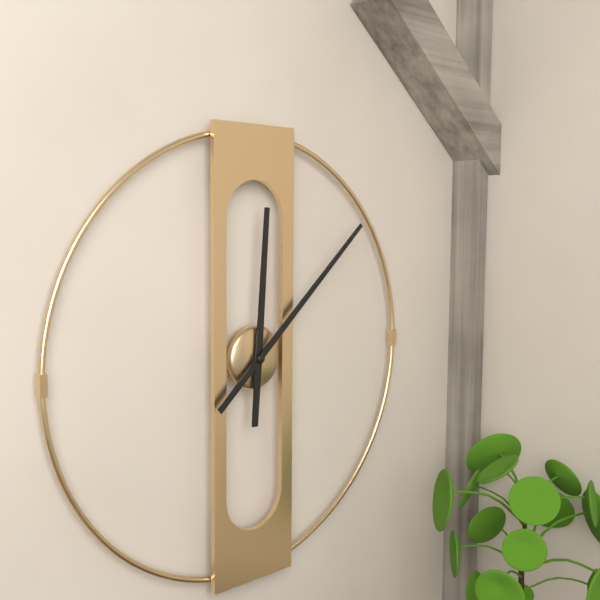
12:08
